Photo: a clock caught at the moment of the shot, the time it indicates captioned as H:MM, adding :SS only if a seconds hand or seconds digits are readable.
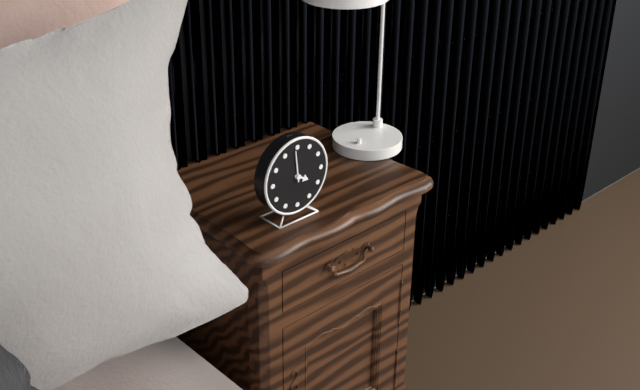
3:59
